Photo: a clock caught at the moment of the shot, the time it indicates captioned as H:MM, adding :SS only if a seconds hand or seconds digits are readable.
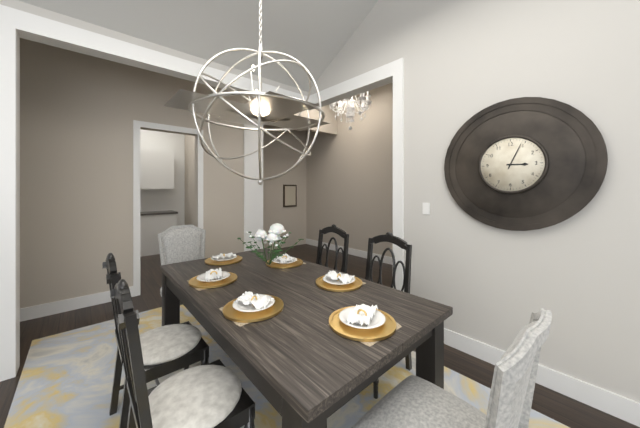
3:04
